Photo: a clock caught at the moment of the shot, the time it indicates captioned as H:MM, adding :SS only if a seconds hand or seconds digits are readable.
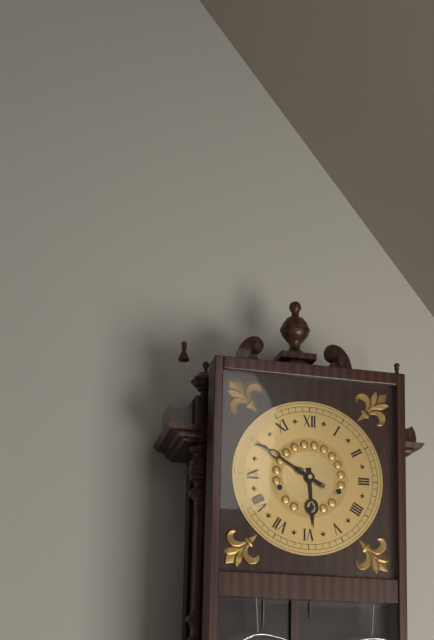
5:50
